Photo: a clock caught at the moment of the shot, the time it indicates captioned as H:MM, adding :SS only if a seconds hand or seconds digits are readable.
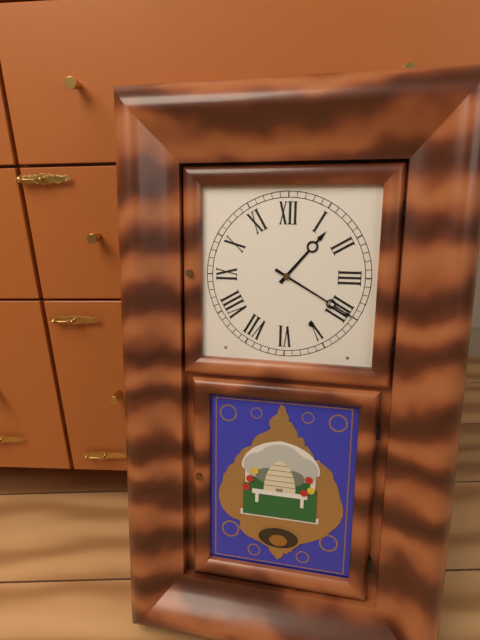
1:20
